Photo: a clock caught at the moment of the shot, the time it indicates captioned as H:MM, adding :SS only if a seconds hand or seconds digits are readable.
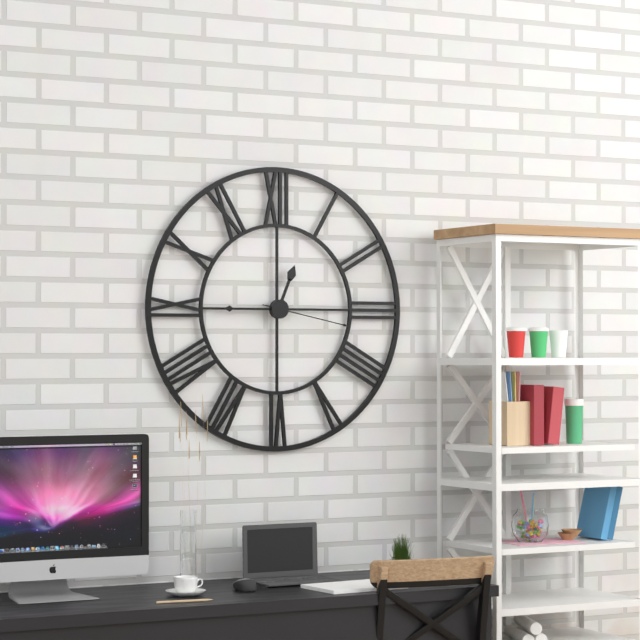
12:45:17
